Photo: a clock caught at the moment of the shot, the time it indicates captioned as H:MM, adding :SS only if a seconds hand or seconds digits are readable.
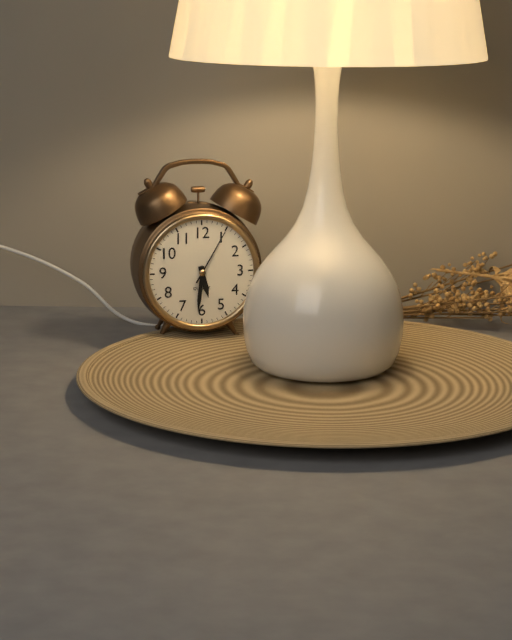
5:31:05
